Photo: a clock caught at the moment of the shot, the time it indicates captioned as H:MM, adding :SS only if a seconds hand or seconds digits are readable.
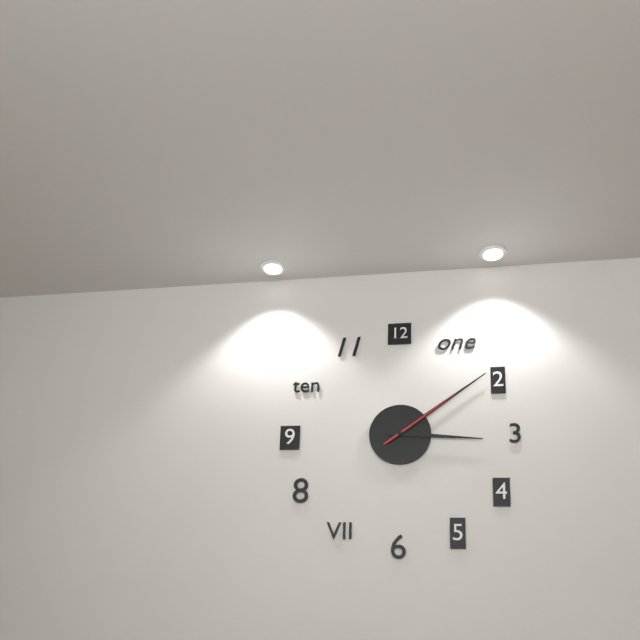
3:09:09
